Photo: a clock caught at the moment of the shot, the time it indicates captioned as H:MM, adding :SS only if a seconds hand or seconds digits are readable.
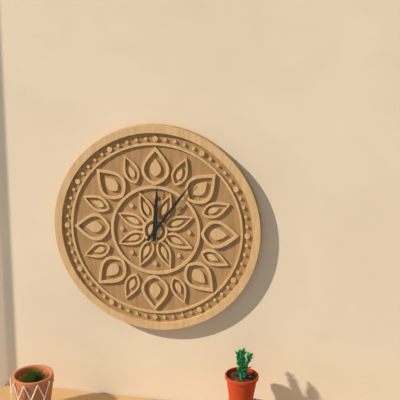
12:06
